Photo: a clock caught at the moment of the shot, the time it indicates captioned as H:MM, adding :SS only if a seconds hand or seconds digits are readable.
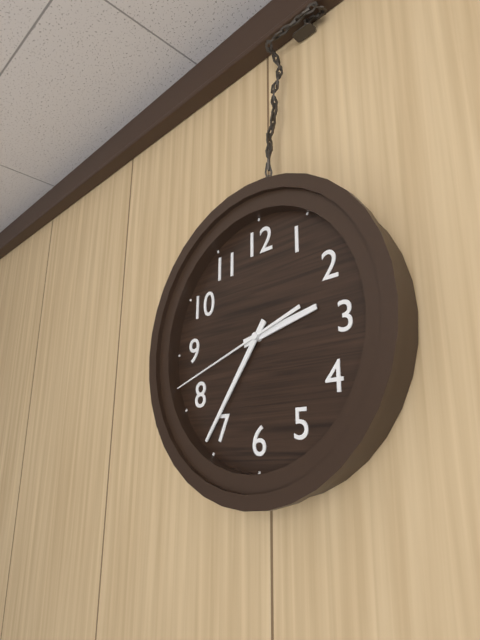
2:36:42
